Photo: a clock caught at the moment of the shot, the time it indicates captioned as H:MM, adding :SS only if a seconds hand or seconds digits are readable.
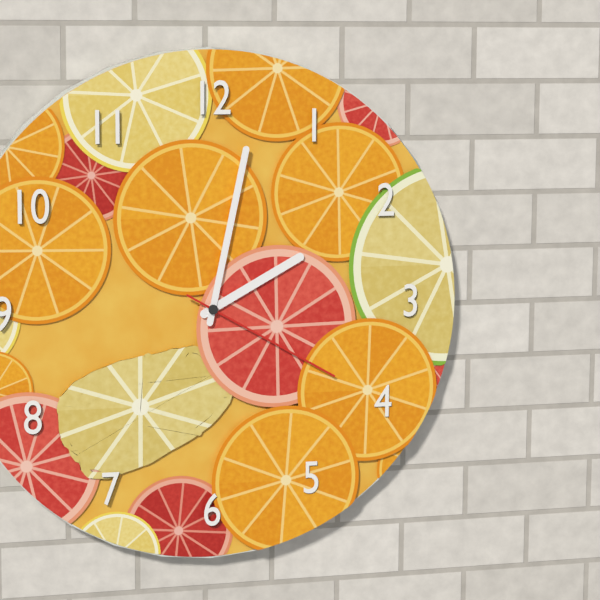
2:02:20
